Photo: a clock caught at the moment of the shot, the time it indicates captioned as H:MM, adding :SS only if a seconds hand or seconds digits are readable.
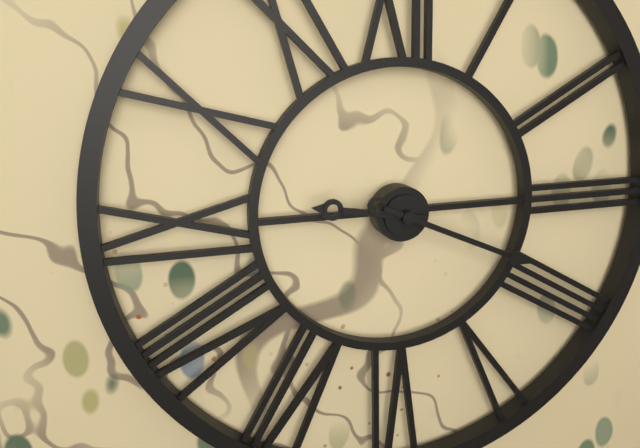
9:19
